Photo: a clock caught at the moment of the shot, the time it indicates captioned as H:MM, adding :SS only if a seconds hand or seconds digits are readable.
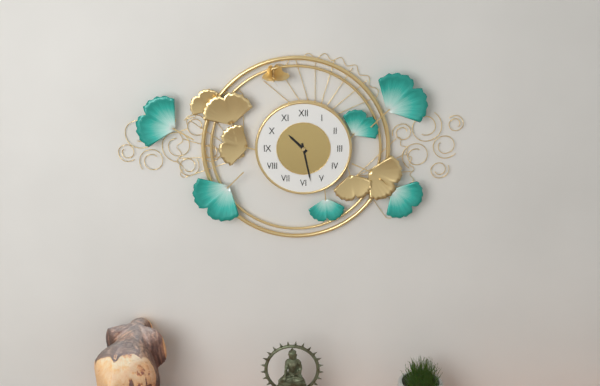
10:28
